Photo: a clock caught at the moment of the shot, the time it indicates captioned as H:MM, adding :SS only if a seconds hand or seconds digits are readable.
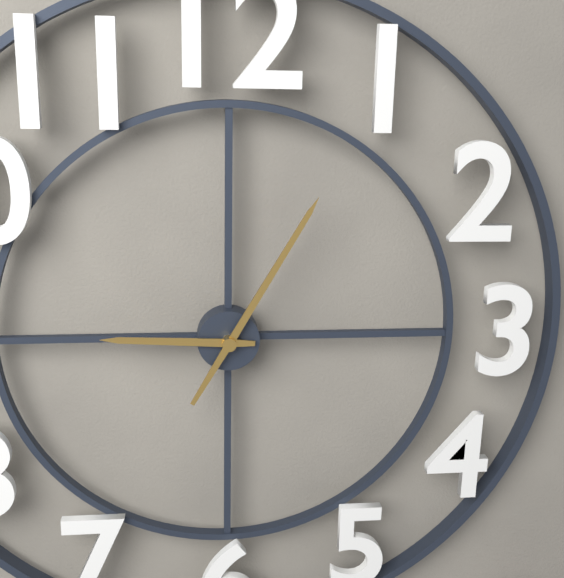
9:05
